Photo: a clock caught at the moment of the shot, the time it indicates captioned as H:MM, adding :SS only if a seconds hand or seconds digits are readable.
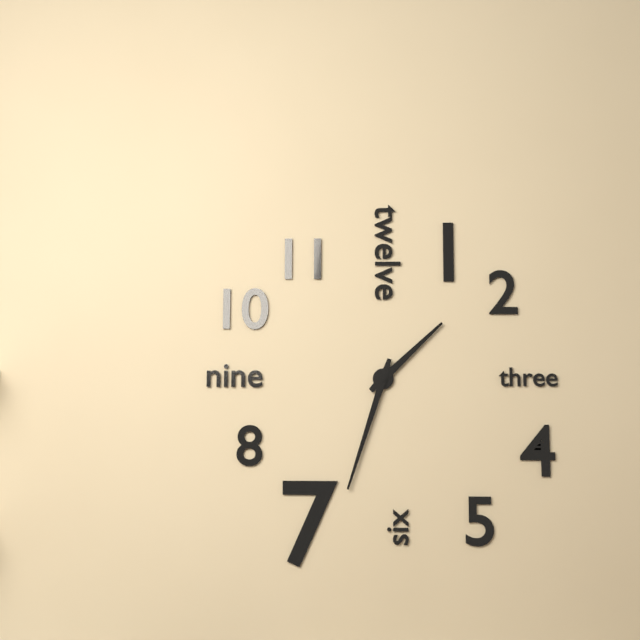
1:33
